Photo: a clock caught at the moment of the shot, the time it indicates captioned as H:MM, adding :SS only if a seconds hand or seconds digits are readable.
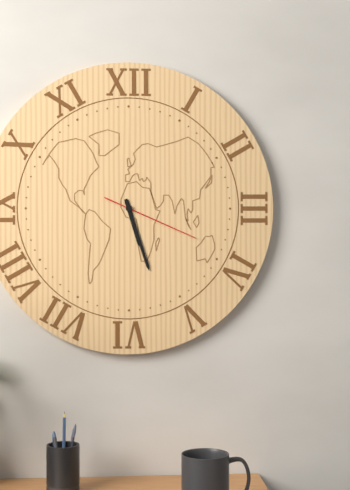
5:27:19
